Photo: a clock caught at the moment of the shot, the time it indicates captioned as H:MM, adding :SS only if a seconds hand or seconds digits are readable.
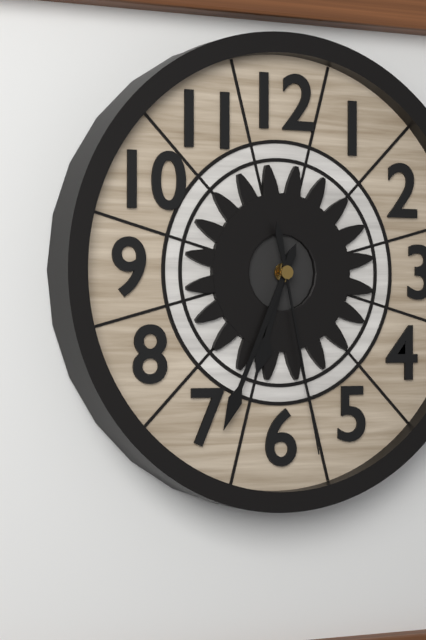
6:34:28
